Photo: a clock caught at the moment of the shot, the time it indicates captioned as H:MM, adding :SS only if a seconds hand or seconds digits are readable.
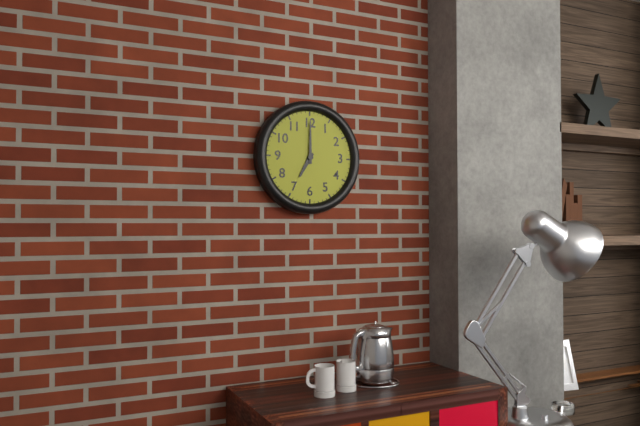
7:00
